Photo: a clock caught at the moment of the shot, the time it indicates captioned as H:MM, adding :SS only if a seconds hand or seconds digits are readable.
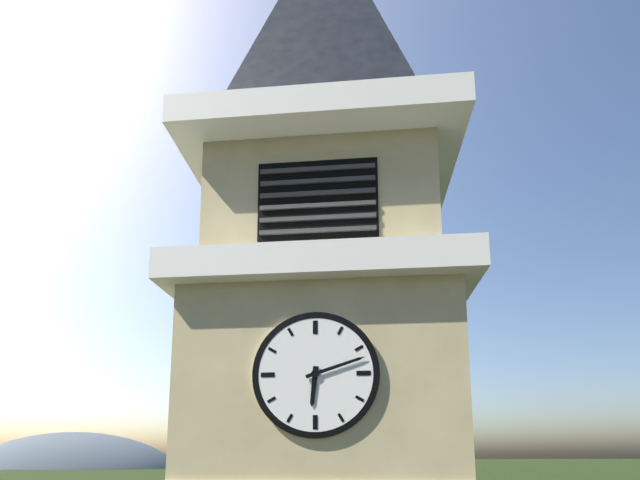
6:12
